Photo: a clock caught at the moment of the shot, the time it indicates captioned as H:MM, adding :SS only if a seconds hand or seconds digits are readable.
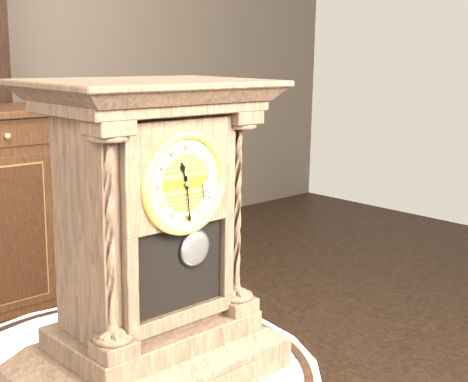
11:29
